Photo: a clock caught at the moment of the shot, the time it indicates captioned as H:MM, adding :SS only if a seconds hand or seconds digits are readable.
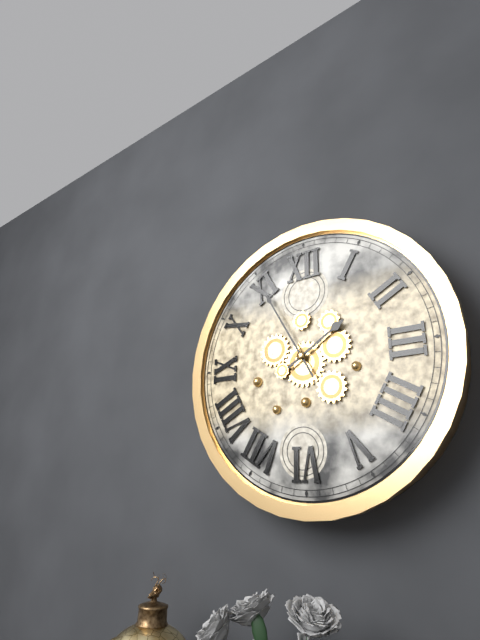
1:55
